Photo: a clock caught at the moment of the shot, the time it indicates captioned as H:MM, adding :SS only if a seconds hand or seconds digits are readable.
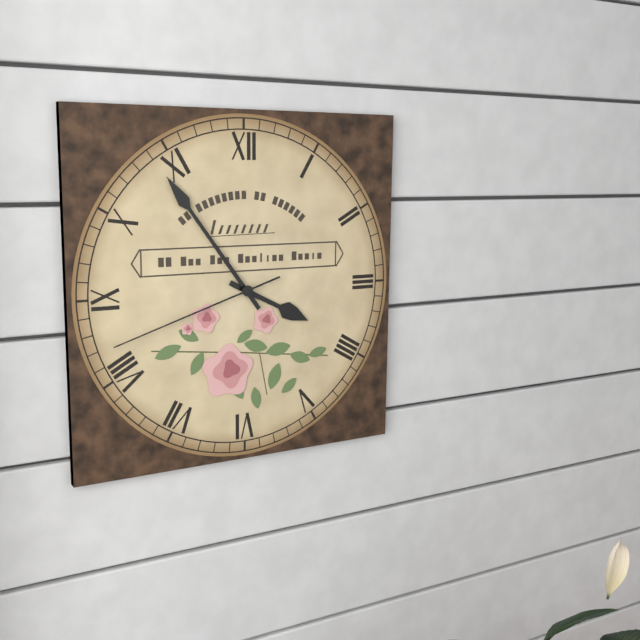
3:54:42
